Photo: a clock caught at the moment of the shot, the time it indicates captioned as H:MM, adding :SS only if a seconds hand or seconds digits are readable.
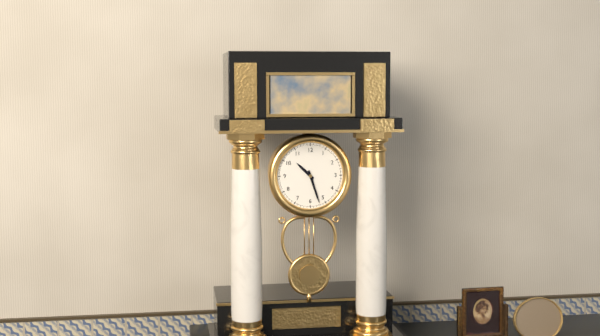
10:27
